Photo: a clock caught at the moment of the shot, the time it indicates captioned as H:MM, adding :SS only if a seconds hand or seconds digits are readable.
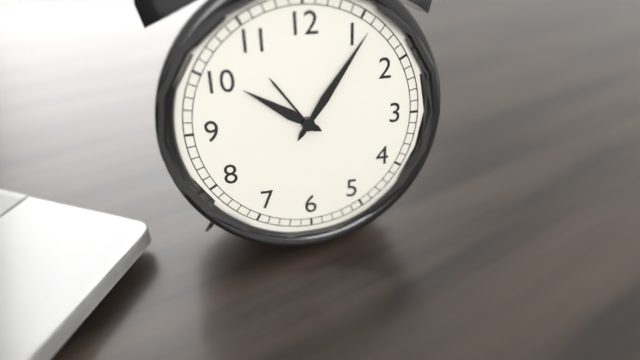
10:06
